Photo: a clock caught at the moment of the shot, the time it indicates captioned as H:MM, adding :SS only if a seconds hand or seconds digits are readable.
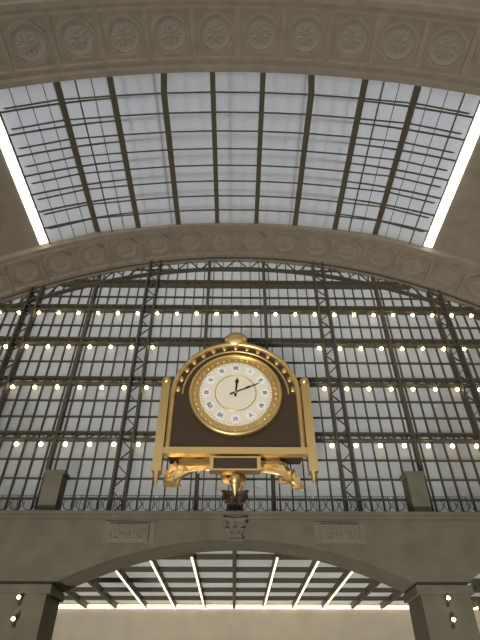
12:11
